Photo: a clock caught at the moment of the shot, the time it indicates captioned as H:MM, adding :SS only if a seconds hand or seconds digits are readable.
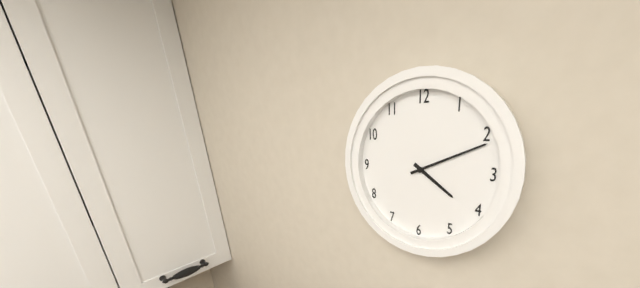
4:11
